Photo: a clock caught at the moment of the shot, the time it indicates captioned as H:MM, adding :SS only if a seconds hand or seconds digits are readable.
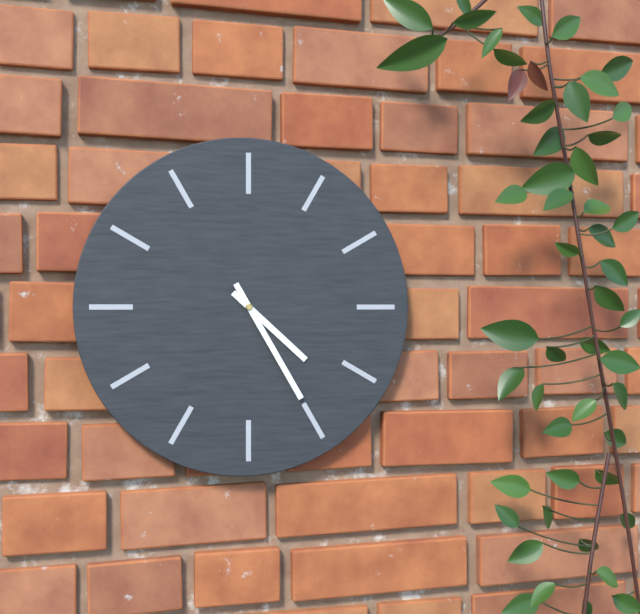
4:25
